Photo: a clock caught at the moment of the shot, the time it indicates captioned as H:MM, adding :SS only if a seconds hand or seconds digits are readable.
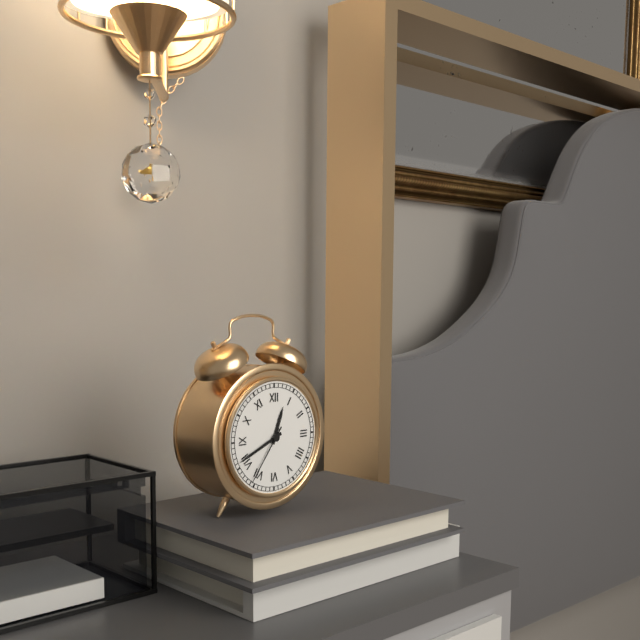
12:41:36
